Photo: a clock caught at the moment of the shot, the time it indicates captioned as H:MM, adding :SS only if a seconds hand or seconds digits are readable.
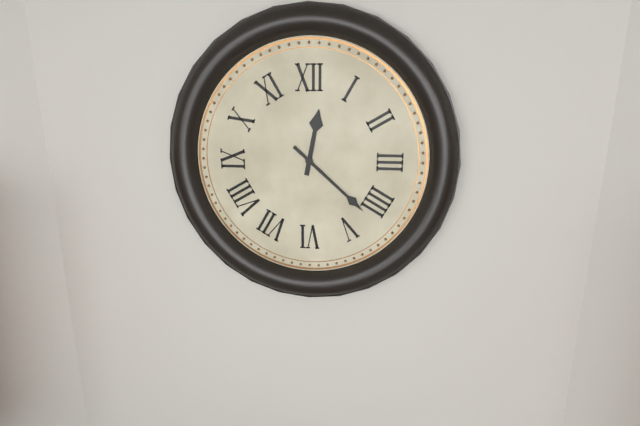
12:22
